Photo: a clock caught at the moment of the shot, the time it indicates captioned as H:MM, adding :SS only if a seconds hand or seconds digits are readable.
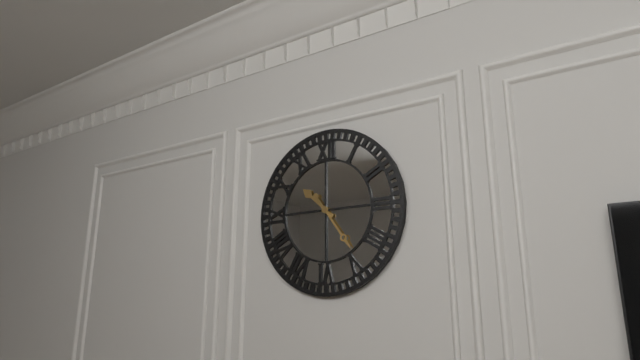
10:24
